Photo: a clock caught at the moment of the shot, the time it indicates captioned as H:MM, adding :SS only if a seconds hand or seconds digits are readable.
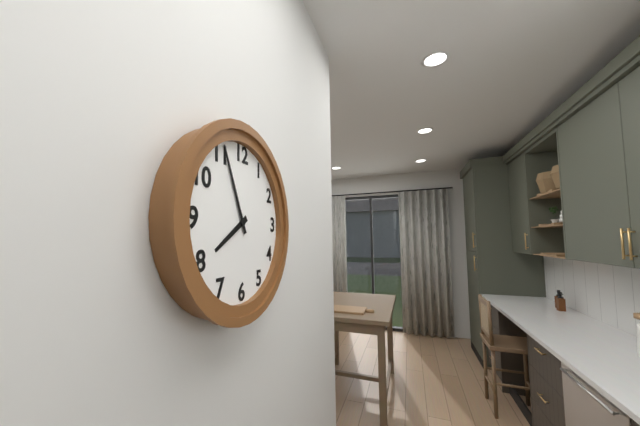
7:56
